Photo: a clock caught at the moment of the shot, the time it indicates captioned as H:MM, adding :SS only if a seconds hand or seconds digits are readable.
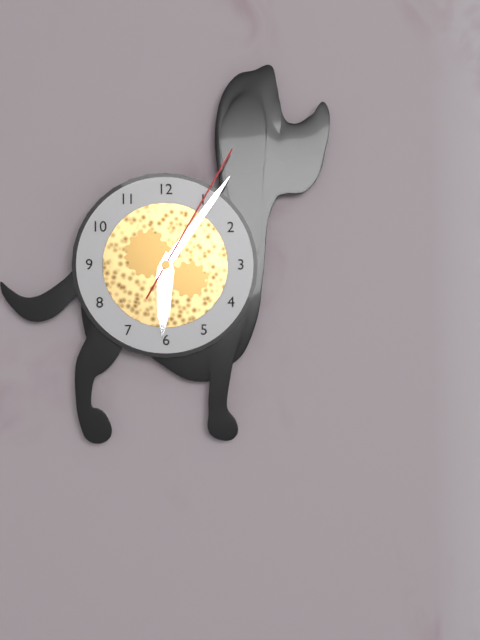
6:06:05
